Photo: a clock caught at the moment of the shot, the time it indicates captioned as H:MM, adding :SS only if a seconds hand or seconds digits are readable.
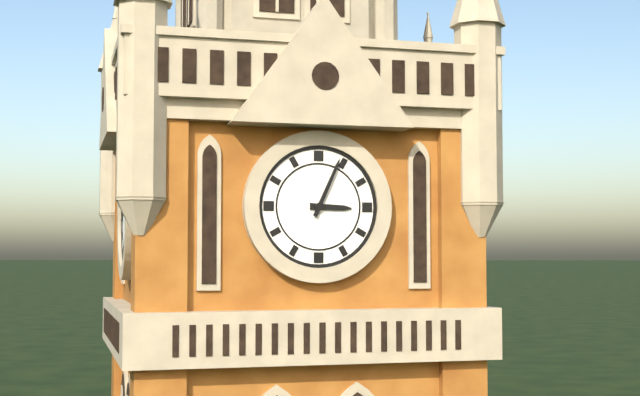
3:04
